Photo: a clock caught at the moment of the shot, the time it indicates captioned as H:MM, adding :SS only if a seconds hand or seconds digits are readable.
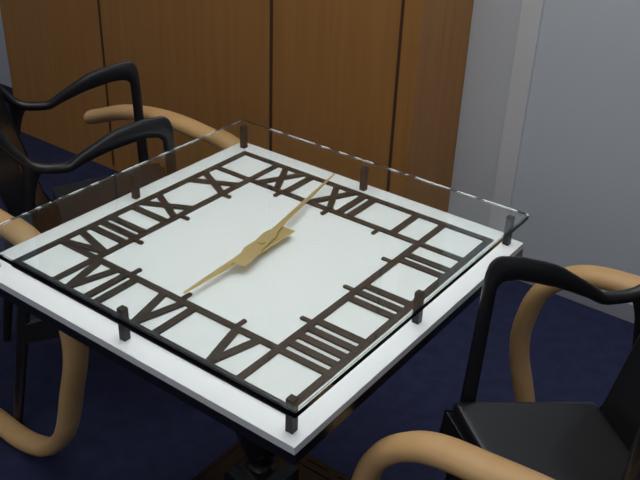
5:58
